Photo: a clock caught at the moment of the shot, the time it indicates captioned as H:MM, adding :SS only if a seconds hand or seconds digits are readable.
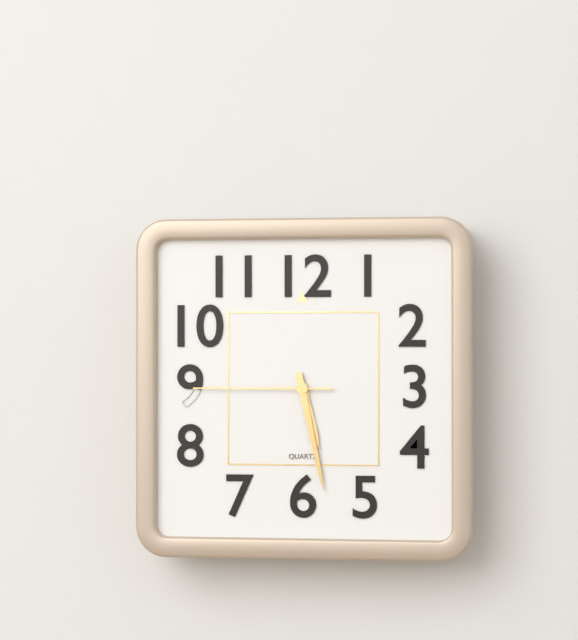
5:28:45
